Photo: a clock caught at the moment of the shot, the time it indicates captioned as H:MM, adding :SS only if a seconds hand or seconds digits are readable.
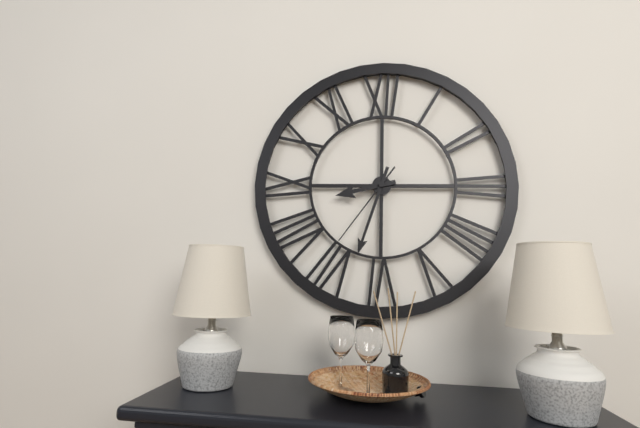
8:33:36
